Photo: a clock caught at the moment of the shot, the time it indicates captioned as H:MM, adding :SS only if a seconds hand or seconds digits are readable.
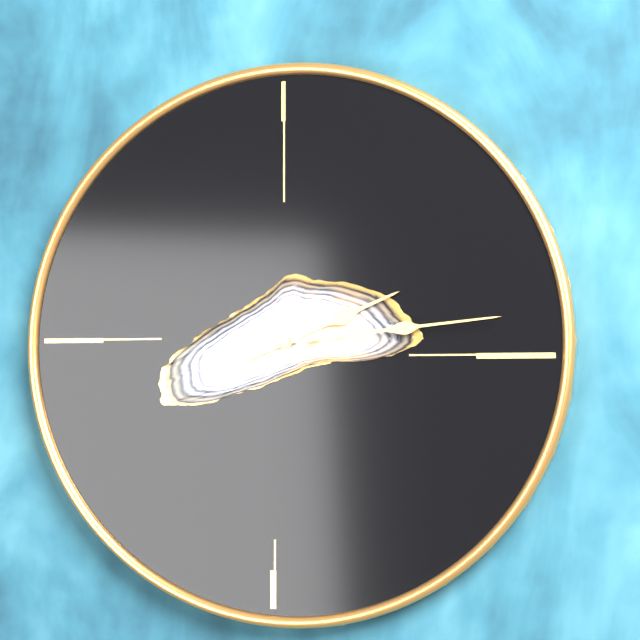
2:14
